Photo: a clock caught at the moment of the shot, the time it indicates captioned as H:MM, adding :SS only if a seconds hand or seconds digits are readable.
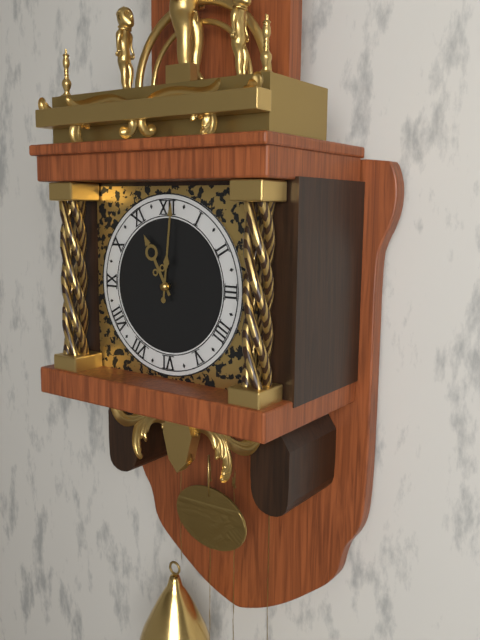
11:01
